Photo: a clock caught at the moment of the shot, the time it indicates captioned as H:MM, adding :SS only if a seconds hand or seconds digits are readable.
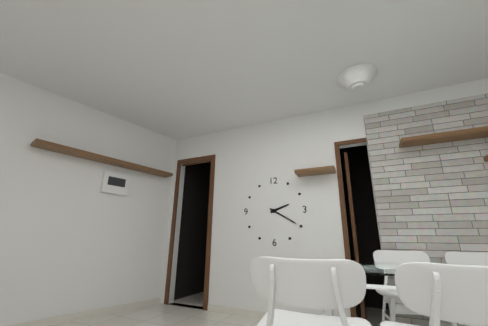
2:20
